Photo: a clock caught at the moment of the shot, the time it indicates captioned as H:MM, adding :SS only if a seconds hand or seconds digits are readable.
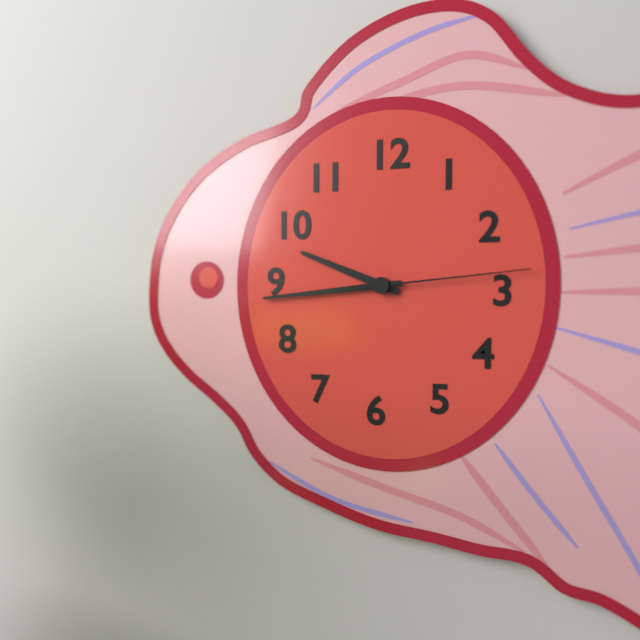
9:44:14
